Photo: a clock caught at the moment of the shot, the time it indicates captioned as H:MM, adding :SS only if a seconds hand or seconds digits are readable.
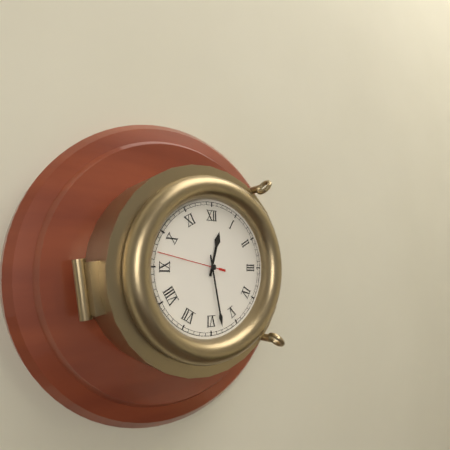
12:28:47
